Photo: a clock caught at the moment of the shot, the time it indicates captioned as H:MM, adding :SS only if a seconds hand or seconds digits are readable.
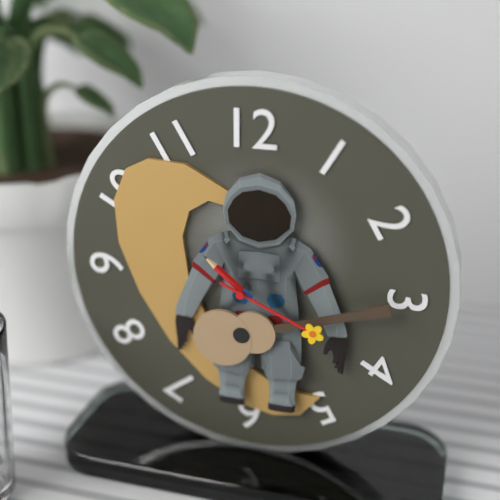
10:19
